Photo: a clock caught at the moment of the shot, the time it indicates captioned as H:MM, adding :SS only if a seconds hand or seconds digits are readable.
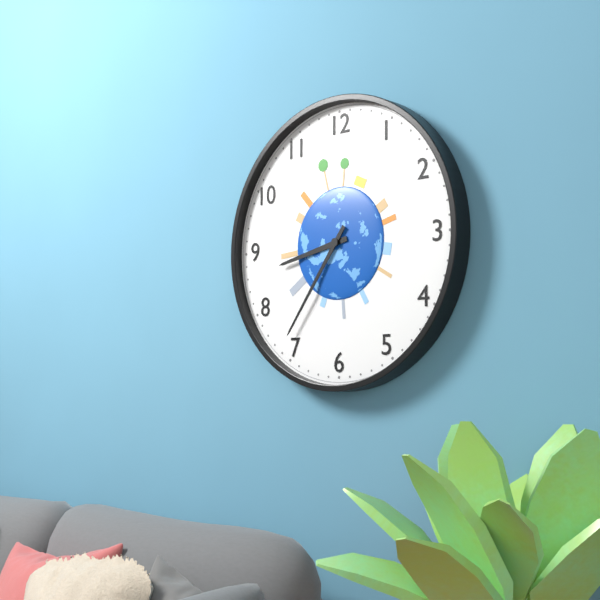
8:36
